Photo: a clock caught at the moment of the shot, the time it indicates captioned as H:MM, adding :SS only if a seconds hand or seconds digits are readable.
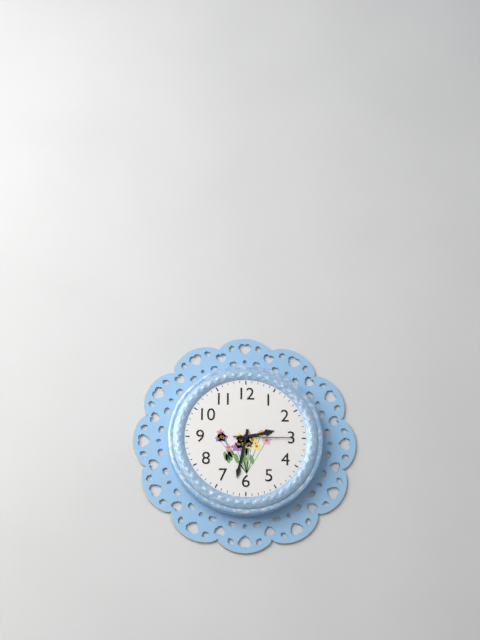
2:32:15
